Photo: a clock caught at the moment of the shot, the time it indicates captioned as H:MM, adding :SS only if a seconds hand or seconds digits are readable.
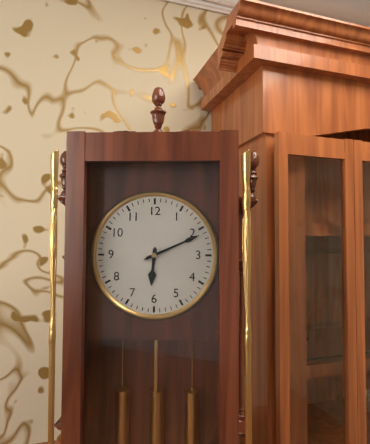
6:11
